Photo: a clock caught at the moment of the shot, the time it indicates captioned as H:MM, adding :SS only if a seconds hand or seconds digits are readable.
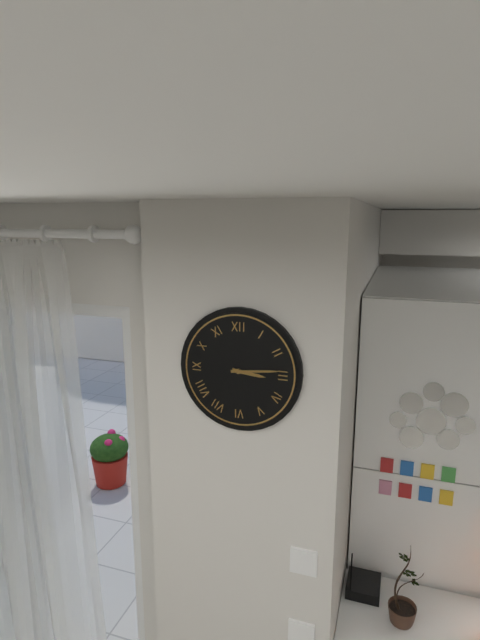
3:14
